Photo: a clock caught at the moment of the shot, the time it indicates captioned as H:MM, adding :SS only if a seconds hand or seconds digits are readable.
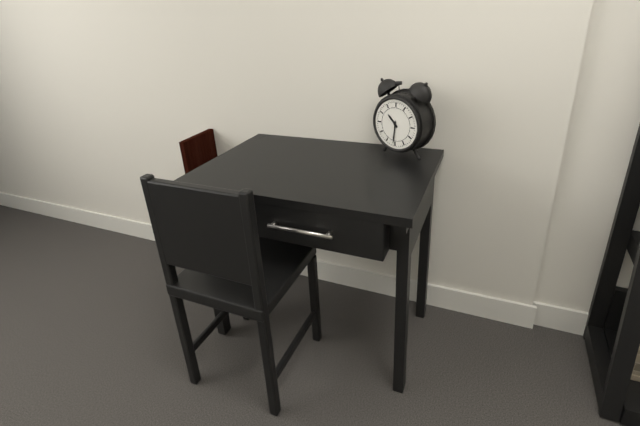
10:31
